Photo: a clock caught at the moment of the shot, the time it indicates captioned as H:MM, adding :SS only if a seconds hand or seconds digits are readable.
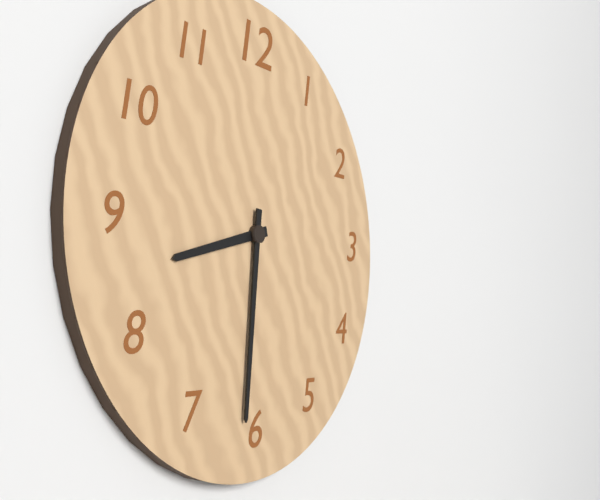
8:31
